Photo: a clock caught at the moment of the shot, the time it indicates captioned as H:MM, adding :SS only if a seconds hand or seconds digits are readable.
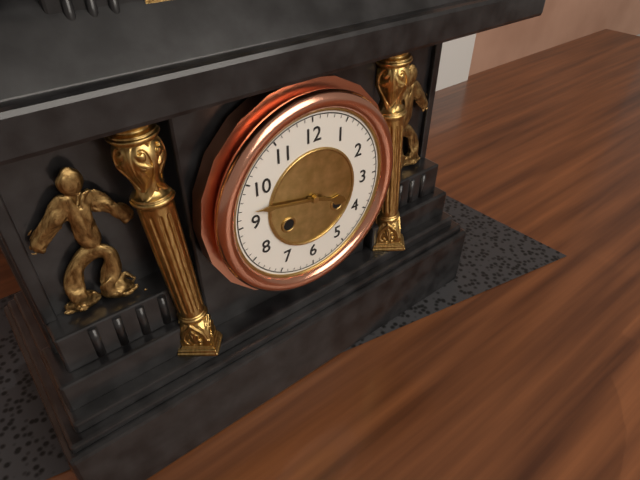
3:47
